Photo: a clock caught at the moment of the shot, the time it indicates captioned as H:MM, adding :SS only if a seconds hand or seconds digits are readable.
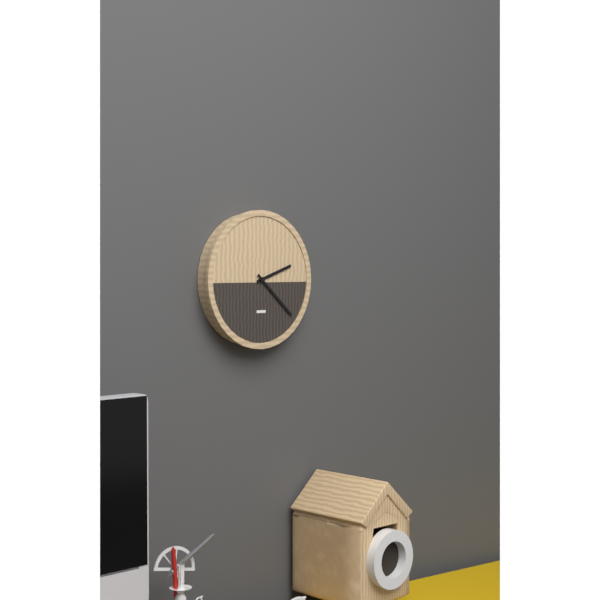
2:22
